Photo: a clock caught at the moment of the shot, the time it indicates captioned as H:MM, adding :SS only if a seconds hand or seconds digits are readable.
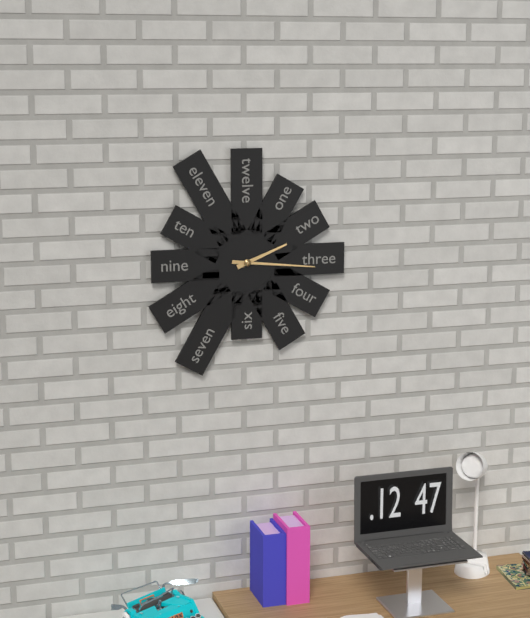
2:16
